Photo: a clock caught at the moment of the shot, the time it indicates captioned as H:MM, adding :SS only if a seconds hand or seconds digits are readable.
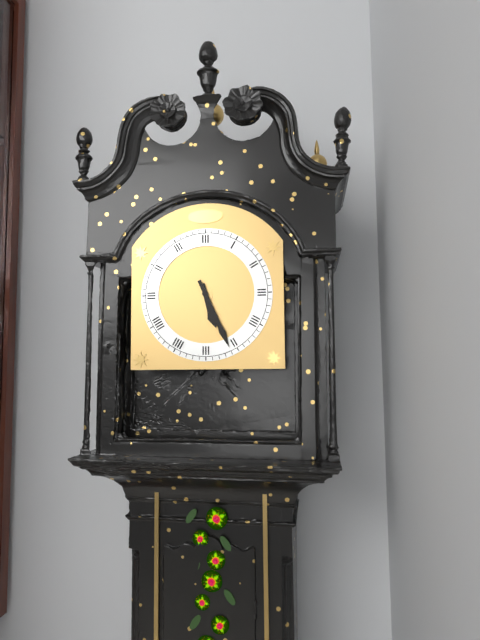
5:26
